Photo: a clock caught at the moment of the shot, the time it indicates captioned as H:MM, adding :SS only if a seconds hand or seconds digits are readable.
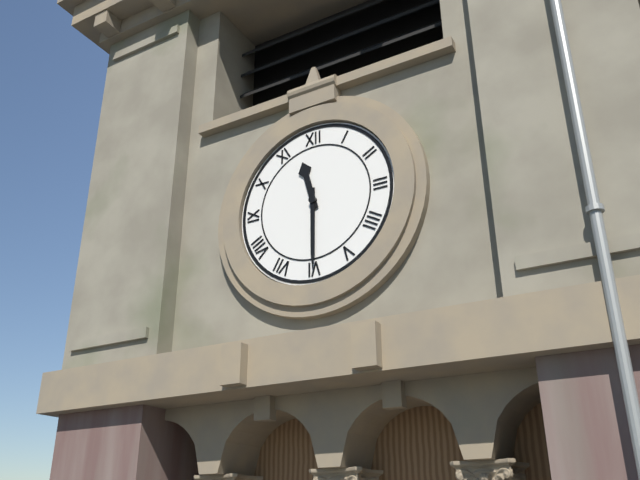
11:30
